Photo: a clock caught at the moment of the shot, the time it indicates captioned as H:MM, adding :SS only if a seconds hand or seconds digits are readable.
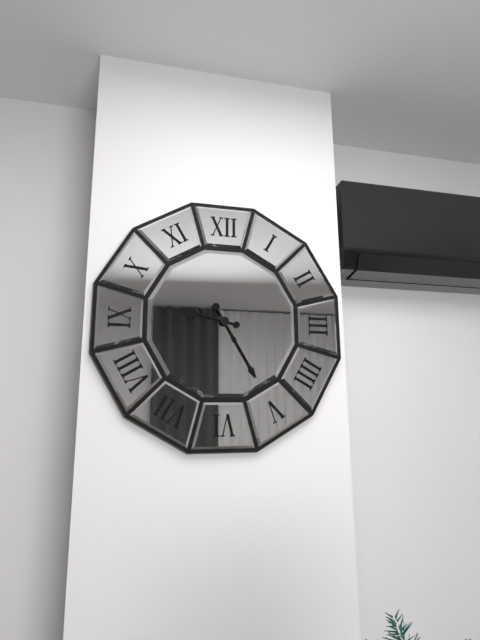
9:25
